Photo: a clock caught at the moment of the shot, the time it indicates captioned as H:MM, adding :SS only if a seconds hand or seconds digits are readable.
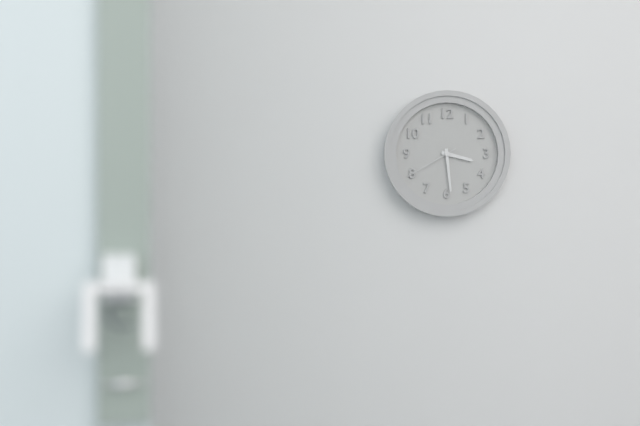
3:29:40
